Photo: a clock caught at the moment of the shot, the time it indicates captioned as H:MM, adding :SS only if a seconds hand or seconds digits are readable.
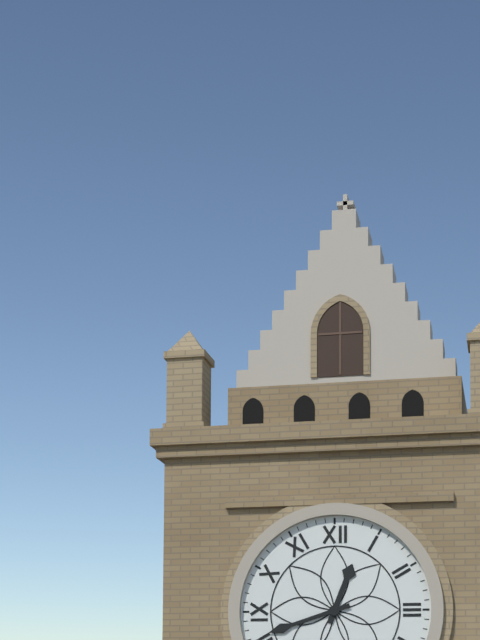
12:42
